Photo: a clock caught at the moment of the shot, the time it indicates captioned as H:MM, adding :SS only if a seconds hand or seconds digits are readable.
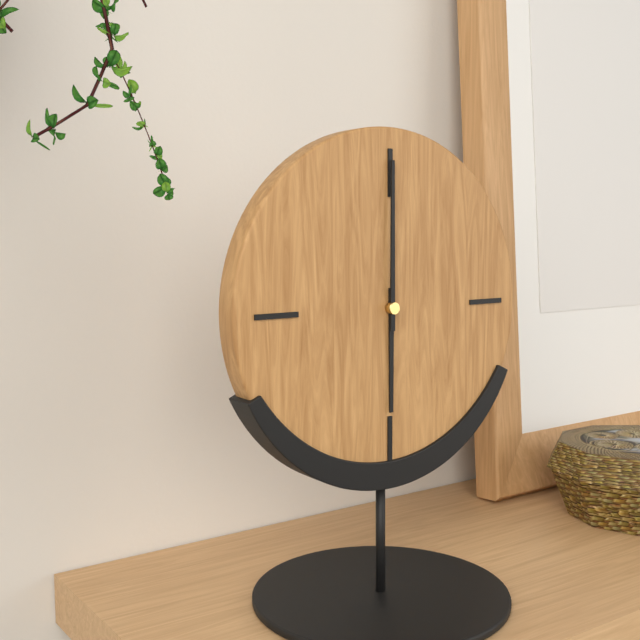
6:00
